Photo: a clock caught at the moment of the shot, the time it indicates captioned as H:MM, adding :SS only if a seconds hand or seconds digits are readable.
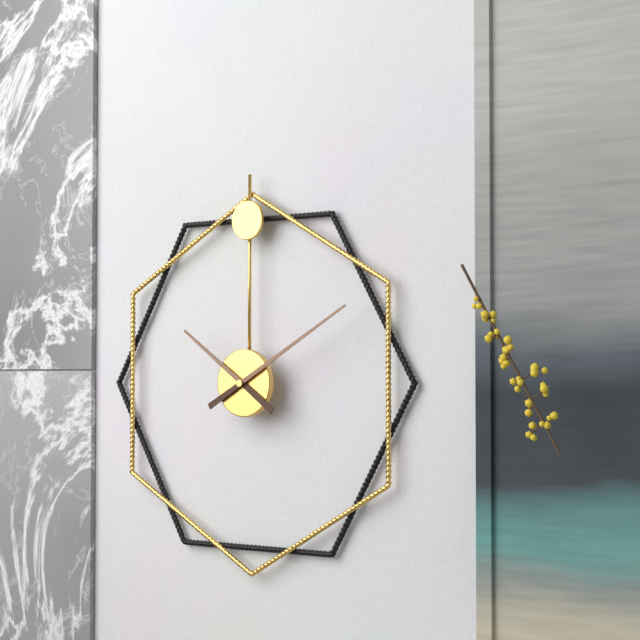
10:10
